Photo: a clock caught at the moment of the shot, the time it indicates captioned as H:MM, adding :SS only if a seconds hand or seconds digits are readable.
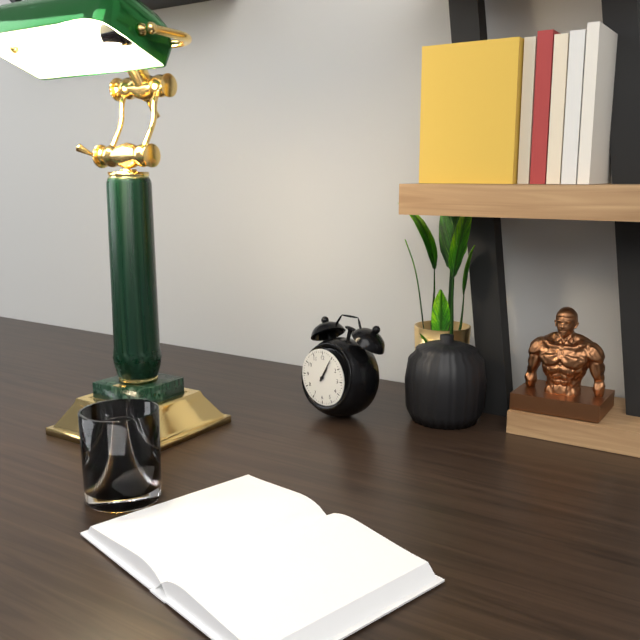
1:05
